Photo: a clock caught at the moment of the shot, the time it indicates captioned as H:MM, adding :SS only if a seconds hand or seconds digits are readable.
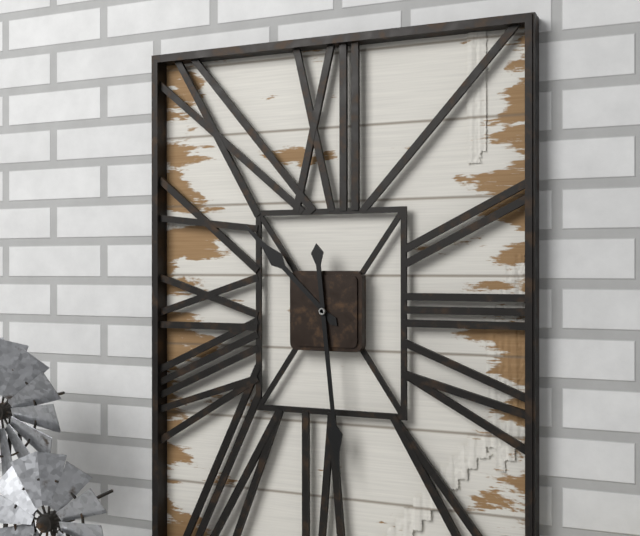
10:29
